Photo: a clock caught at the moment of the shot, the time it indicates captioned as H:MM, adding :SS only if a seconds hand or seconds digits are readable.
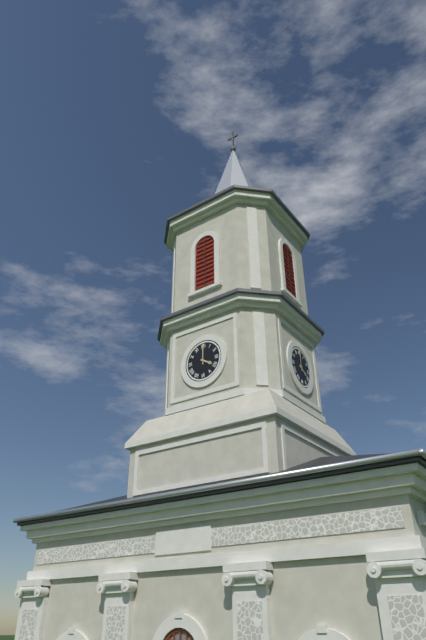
4:00
